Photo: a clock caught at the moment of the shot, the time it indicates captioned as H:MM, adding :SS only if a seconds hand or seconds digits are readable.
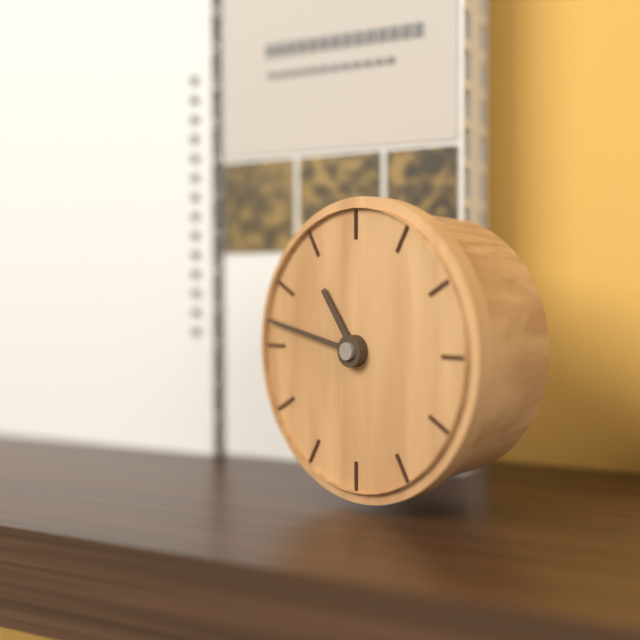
10:47
